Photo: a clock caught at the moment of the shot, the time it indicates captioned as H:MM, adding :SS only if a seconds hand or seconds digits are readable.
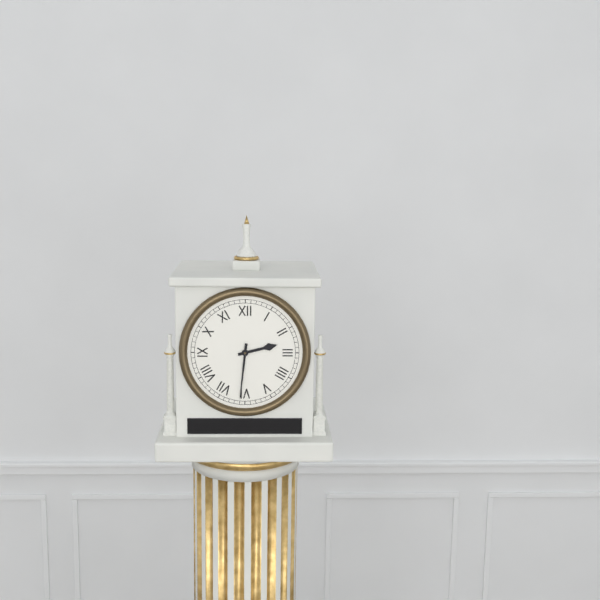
2:31
